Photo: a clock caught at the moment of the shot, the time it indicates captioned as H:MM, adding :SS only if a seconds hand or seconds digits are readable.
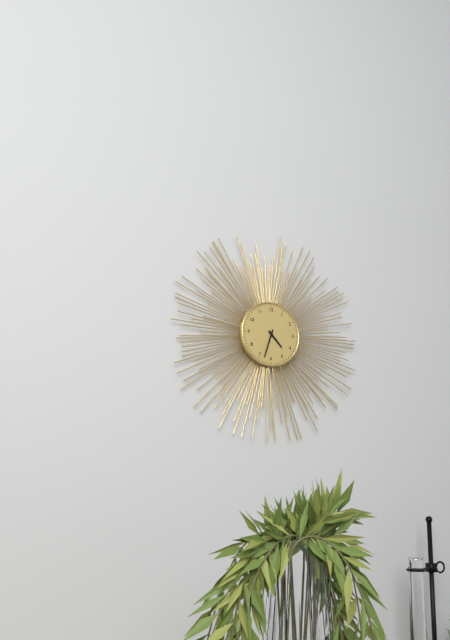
4:33
